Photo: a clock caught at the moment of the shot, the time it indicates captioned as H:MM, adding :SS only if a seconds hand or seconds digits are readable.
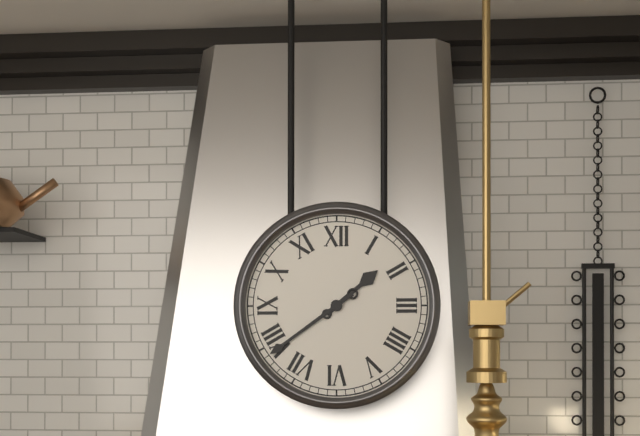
1:39
